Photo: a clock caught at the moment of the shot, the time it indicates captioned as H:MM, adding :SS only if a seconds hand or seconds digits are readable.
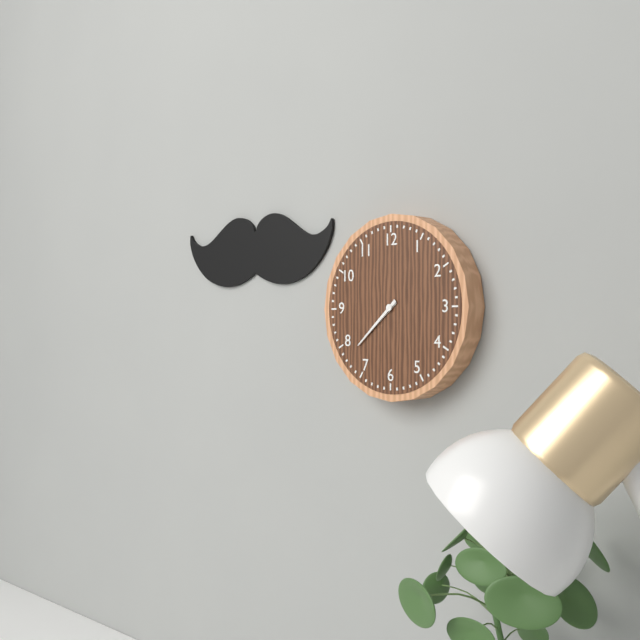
7:38
